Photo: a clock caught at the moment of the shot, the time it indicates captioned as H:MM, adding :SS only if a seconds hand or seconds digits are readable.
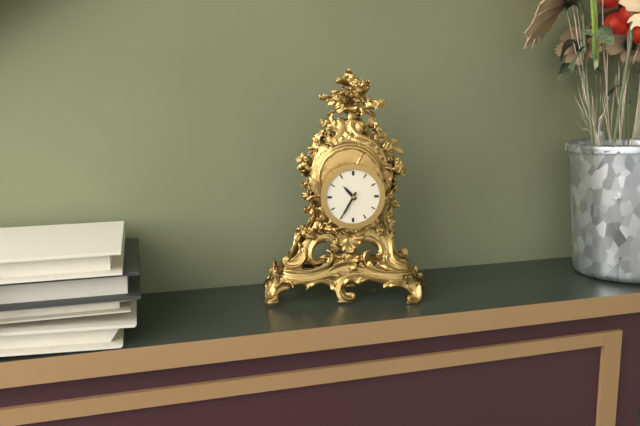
10:35
